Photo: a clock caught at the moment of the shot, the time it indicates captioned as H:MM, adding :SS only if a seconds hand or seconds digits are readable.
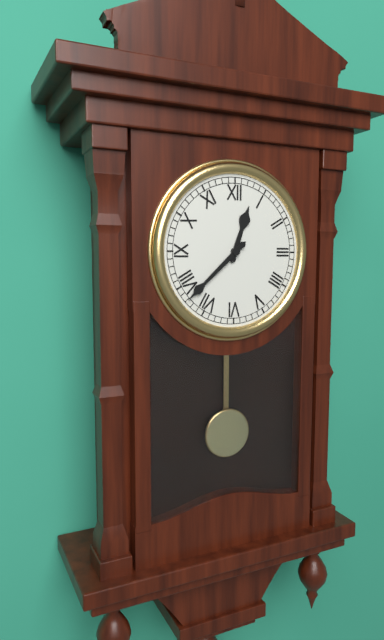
12:38
